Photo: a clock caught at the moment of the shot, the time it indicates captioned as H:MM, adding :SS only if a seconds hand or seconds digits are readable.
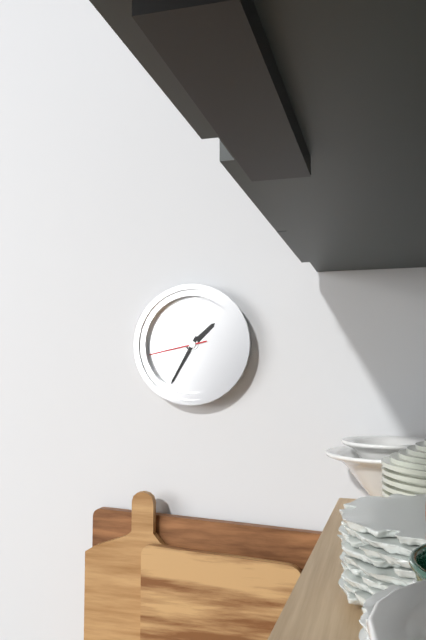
1:35:43
